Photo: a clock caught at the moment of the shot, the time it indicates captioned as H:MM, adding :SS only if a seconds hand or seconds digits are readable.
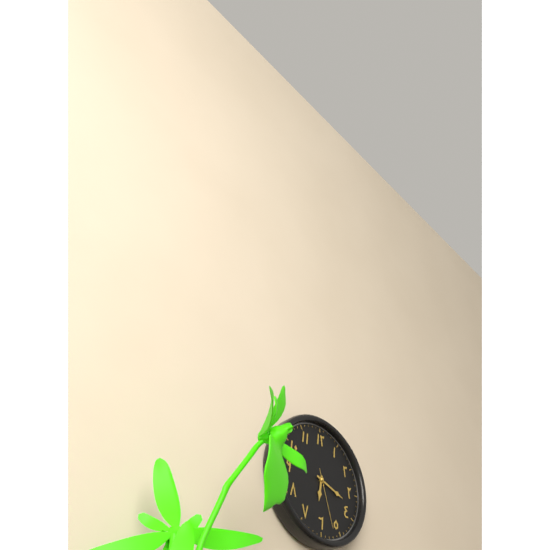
6:18:27
